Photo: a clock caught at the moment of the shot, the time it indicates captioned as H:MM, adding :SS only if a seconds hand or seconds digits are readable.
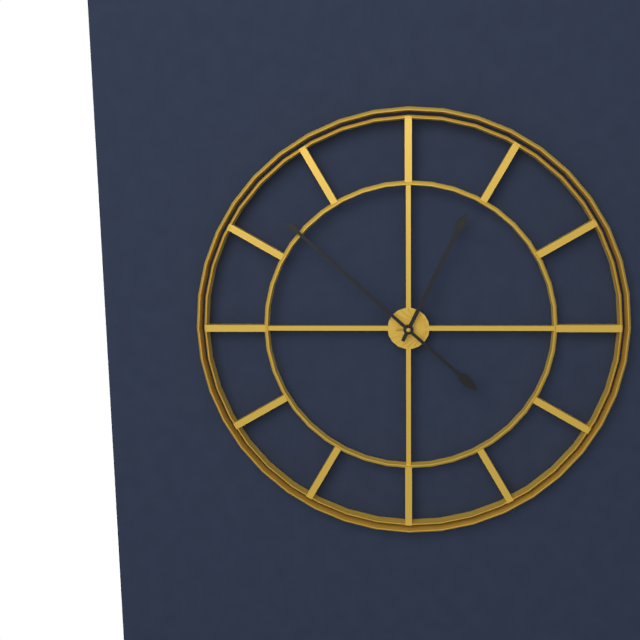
12:52
